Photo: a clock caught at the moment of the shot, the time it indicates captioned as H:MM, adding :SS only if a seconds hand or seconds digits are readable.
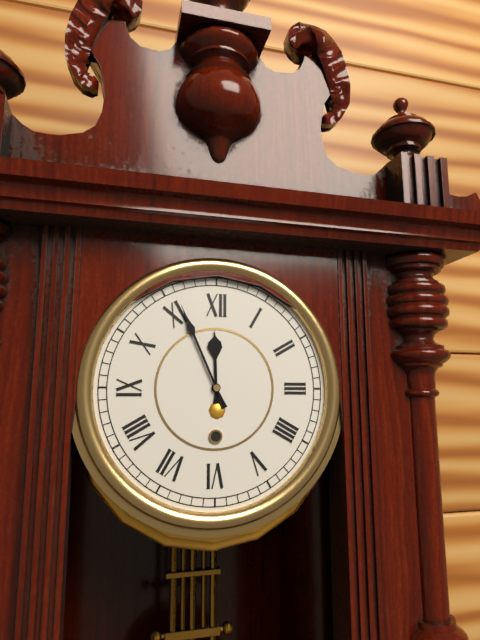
11:56
